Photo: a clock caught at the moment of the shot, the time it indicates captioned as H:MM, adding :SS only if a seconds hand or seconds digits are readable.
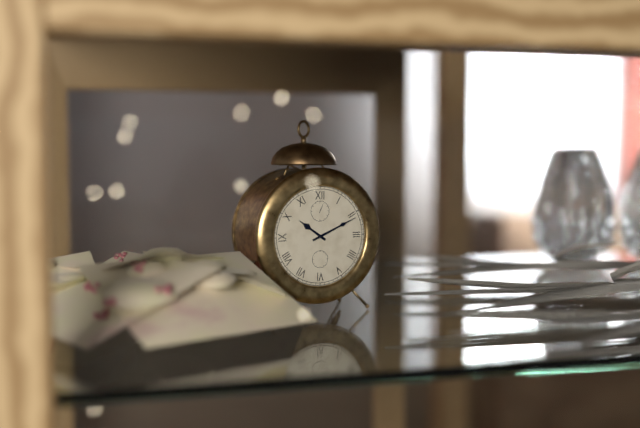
10:11
